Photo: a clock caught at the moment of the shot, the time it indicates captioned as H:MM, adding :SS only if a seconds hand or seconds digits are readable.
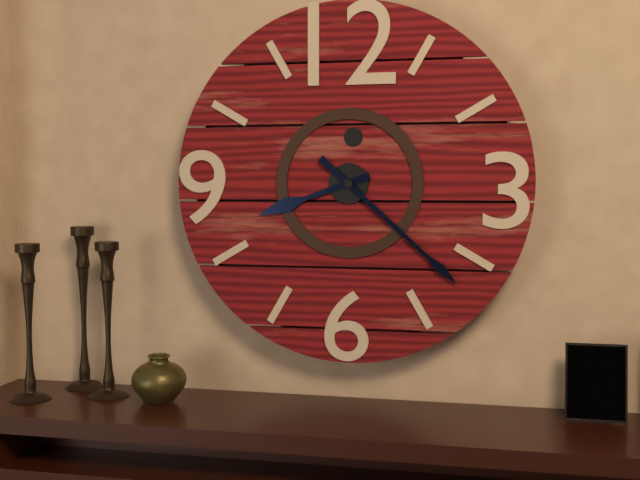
8:22
